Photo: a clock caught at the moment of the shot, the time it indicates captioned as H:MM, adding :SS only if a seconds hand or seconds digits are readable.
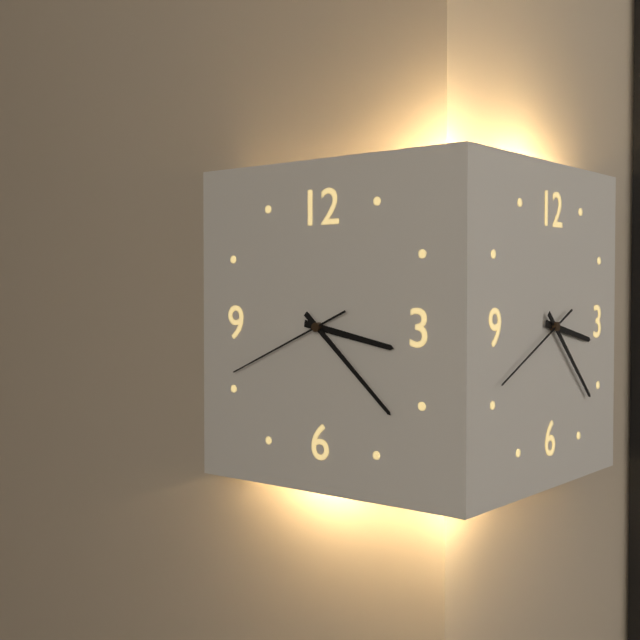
3:22:41
